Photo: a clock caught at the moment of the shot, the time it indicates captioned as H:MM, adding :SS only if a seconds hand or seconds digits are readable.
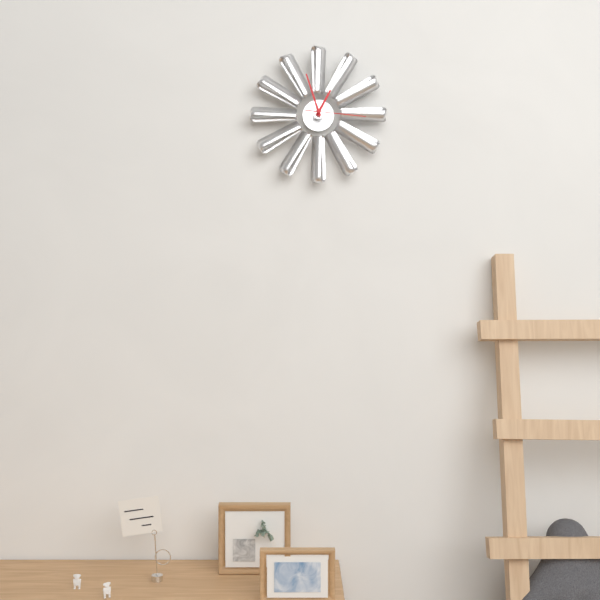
12:57:16
